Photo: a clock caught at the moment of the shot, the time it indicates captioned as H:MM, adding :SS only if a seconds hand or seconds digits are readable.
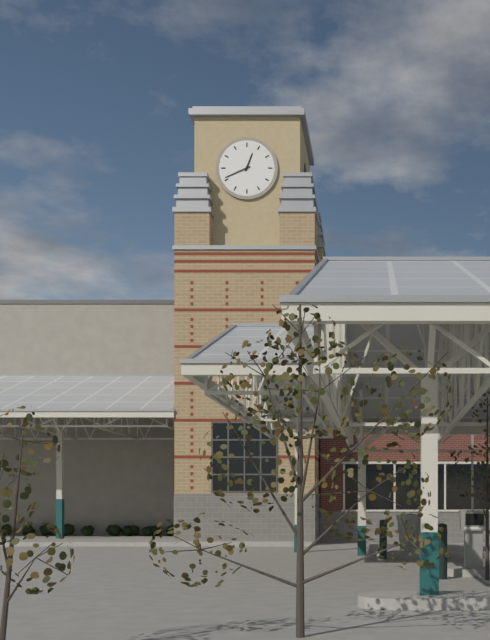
12:41
